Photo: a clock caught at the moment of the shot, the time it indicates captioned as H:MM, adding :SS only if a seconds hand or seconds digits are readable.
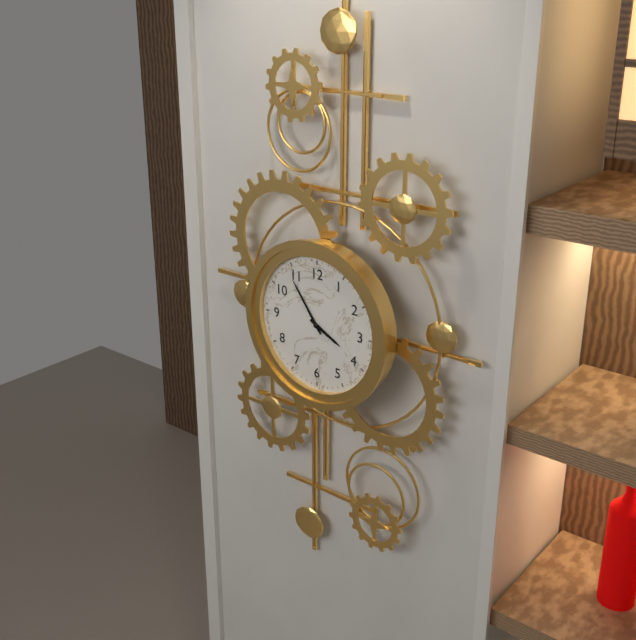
3:54
